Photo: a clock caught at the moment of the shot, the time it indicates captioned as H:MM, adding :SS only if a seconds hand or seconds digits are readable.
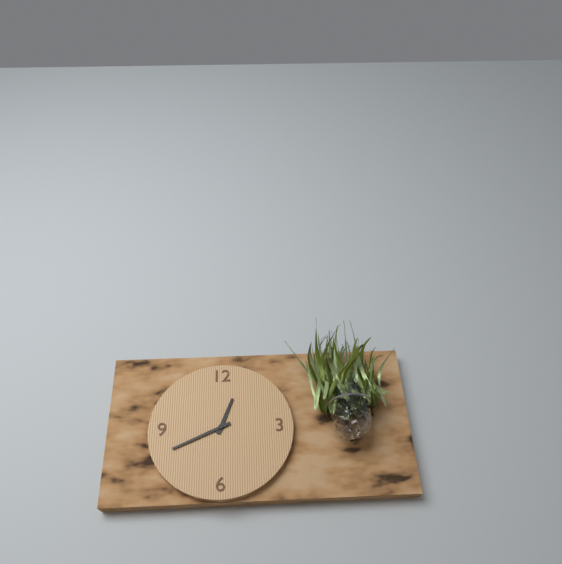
12:41
